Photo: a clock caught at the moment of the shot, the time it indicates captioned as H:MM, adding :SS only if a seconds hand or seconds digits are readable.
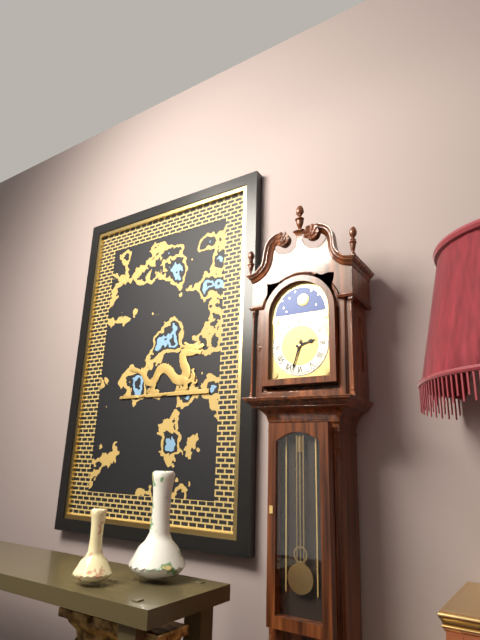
2:33
